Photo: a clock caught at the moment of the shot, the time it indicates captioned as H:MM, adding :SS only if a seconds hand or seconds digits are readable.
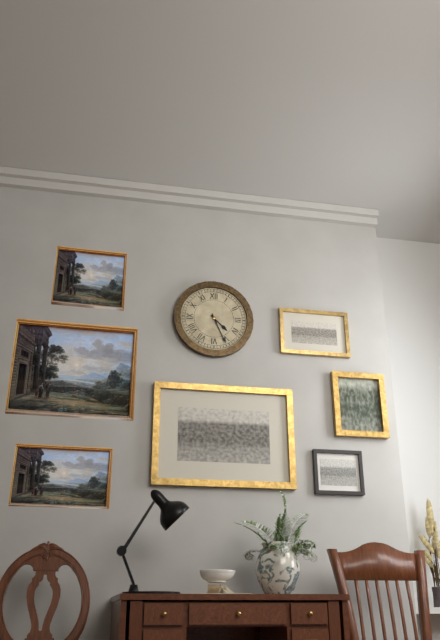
4:26
